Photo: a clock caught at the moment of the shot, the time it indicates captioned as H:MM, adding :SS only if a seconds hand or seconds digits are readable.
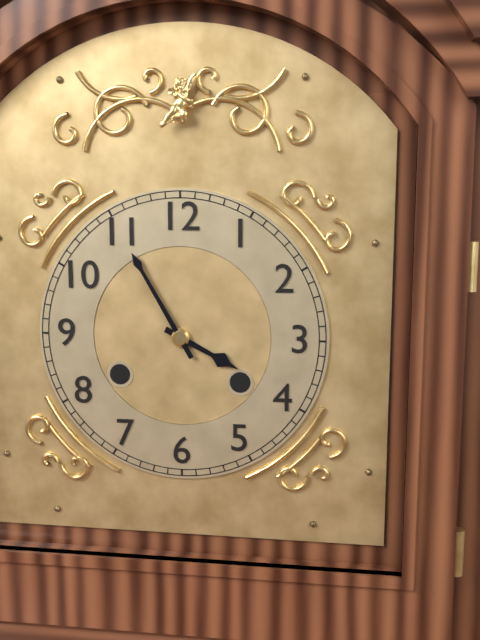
3:55
